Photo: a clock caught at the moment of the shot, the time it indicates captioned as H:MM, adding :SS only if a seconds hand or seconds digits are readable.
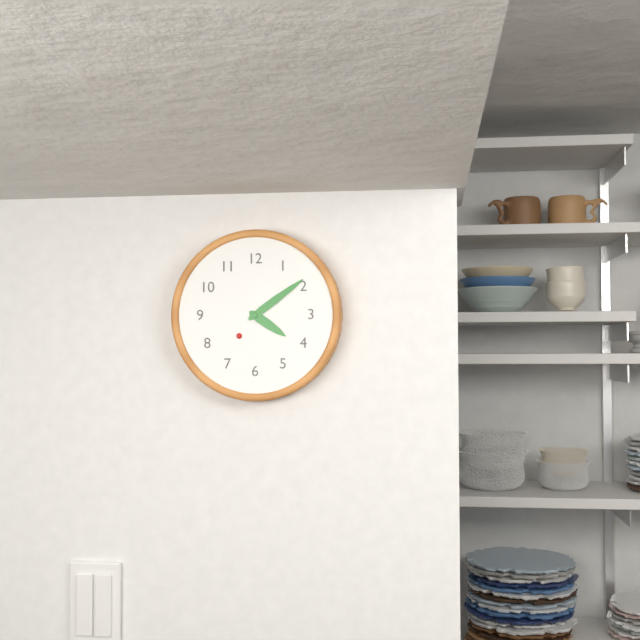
4:09
